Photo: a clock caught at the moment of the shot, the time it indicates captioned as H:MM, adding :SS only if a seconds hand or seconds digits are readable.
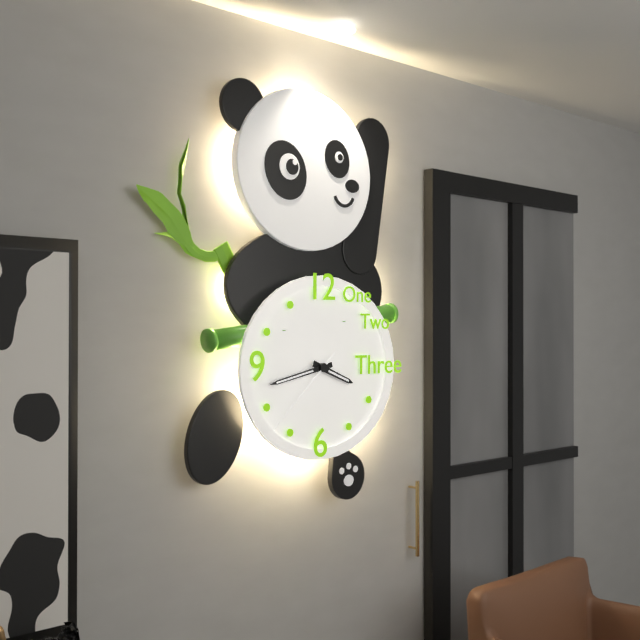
3:43:38
